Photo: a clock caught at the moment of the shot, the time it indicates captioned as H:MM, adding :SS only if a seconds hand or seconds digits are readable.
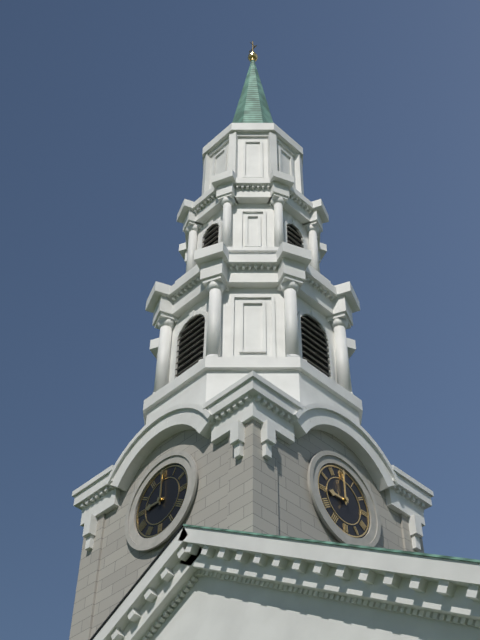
9:00
